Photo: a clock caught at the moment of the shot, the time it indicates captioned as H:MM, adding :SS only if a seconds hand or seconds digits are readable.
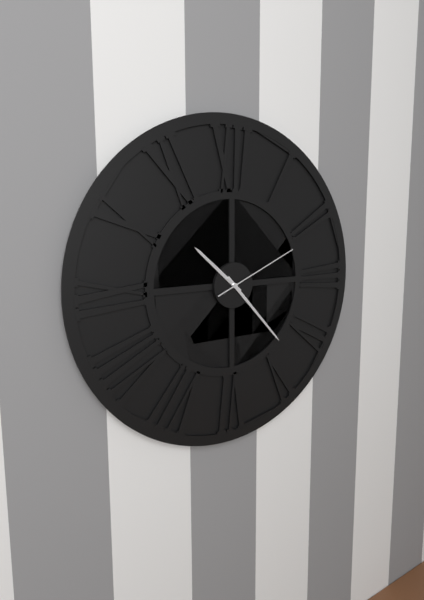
10:23:11
